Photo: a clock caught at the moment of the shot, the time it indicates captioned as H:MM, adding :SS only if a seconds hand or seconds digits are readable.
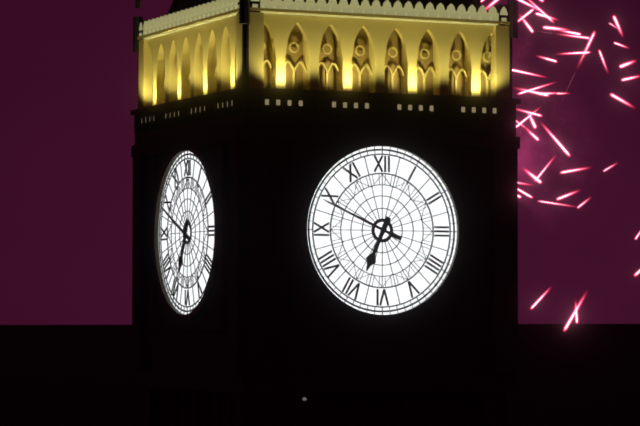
6:49
